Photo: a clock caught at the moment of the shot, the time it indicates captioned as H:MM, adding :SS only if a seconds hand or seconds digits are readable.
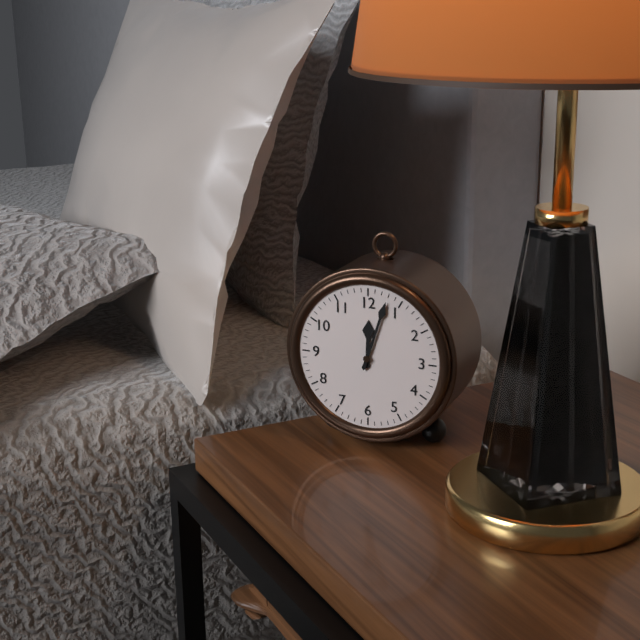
12:03
